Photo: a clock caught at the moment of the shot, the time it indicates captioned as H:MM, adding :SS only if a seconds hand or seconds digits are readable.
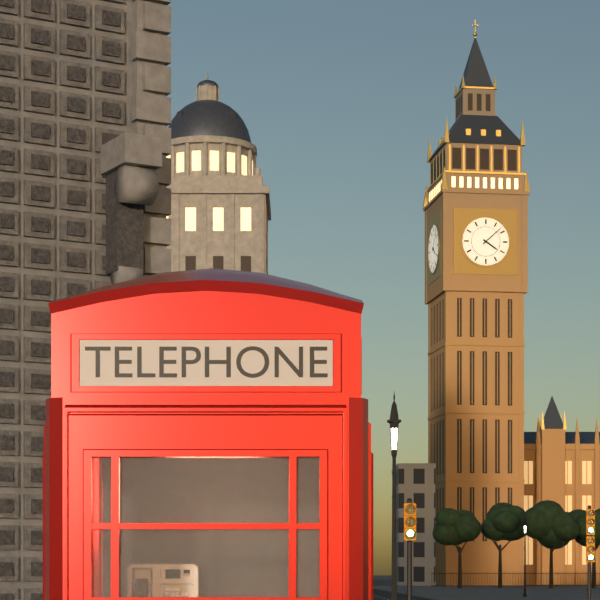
4:08
